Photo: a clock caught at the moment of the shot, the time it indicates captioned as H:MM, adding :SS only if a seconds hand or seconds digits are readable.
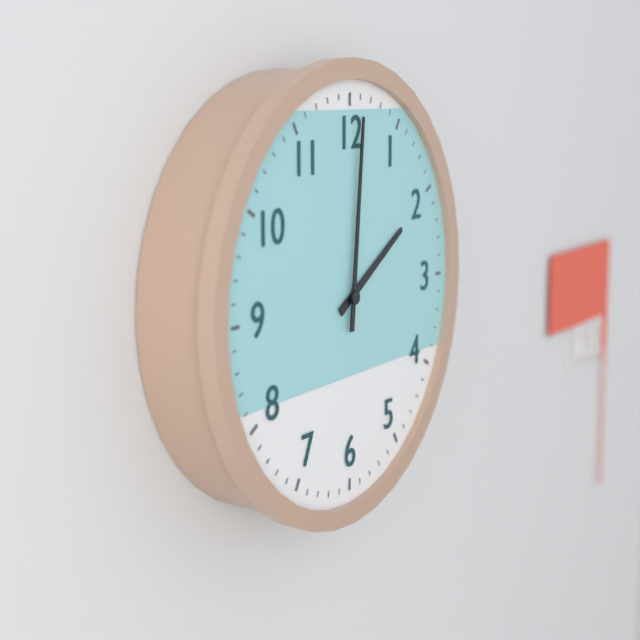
2:01
